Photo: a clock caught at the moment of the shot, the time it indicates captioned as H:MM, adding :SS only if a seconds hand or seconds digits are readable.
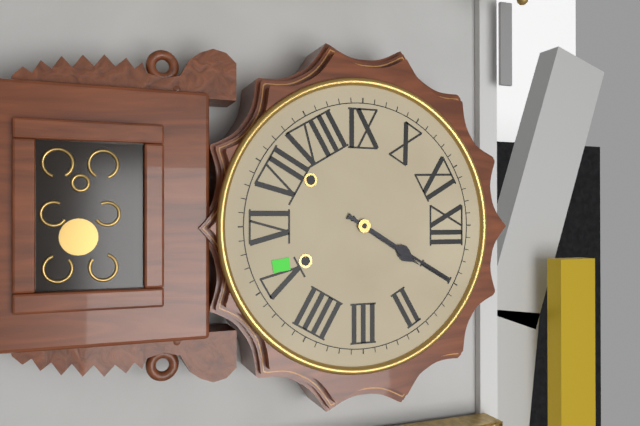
1:05
